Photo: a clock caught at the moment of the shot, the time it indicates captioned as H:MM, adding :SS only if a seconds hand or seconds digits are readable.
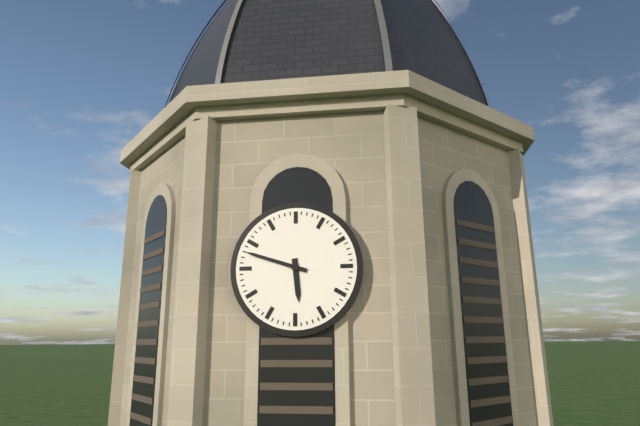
5:48
